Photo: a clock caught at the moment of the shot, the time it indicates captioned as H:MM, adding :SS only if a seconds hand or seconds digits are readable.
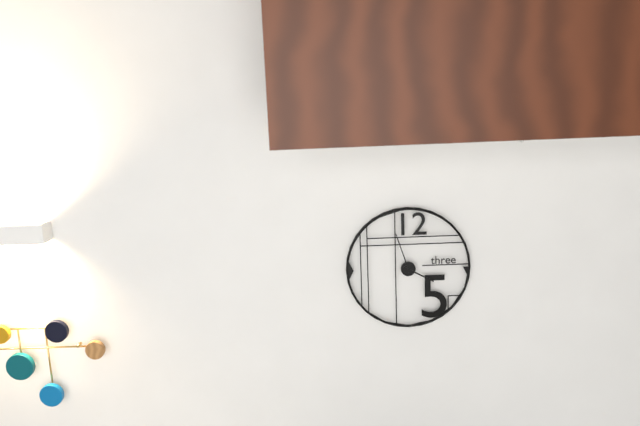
3:57
